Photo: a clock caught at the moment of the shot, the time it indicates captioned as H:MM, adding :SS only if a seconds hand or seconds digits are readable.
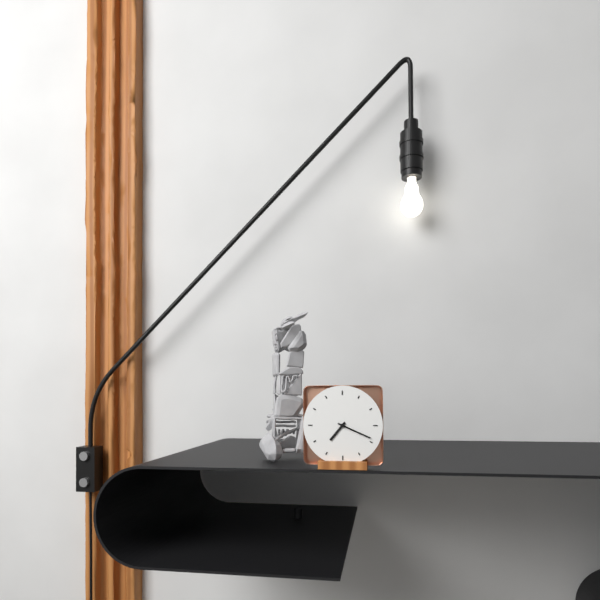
7:19
